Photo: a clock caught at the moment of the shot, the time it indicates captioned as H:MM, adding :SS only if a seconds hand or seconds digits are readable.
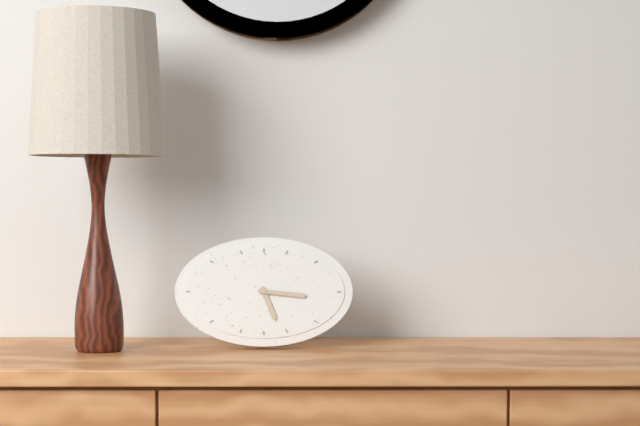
5:16
